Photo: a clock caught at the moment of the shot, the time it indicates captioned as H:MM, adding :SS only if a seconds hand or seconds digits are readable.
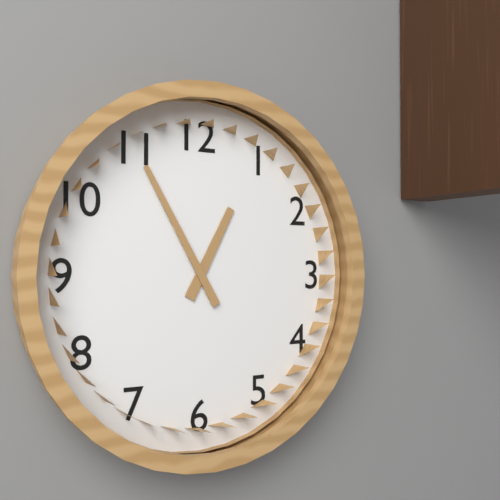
12:55
